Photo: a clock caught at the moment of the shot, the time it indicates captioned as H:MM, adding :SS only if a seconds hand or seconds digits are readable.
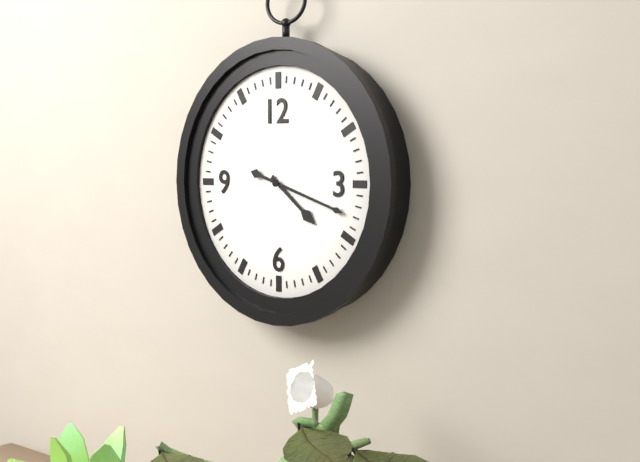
4:18
